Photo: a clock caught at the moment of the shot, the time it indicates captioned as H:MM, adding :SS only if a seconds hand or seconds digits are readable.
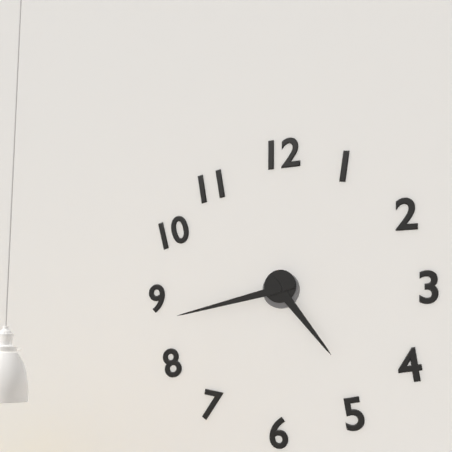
4:43
